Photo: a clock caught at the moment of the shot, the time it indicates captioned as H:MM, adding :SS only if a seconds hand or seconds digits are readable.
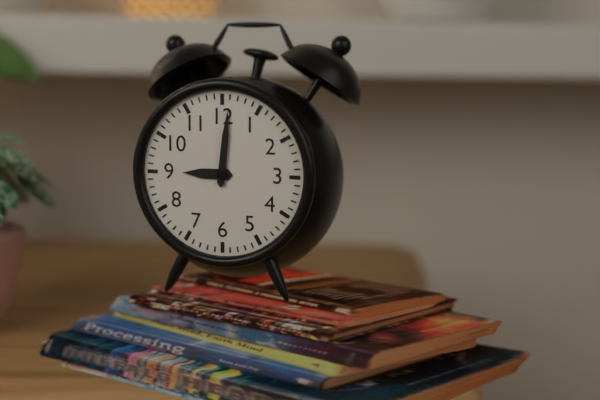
9:01
